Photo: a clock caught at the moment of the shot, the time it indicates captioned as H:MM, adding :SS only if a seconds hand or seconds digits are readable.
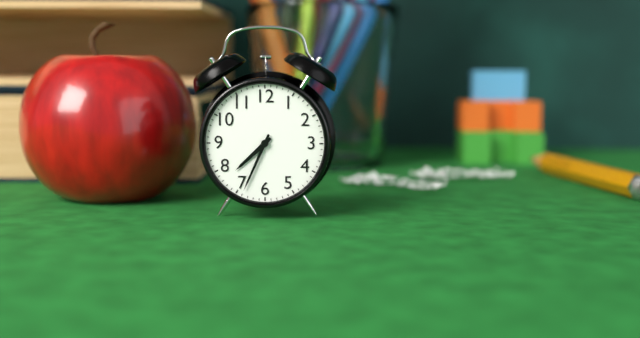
7:34
